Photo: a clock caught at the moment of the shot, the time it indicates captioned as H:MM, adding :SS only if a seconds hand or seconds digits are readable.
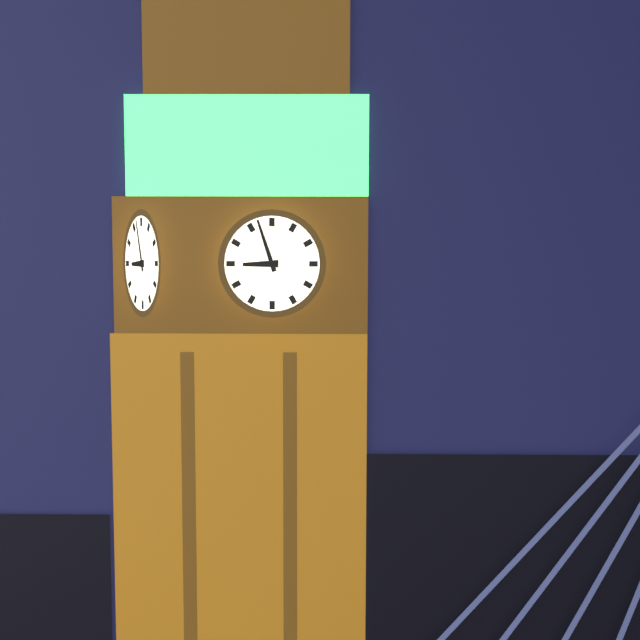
8:57
